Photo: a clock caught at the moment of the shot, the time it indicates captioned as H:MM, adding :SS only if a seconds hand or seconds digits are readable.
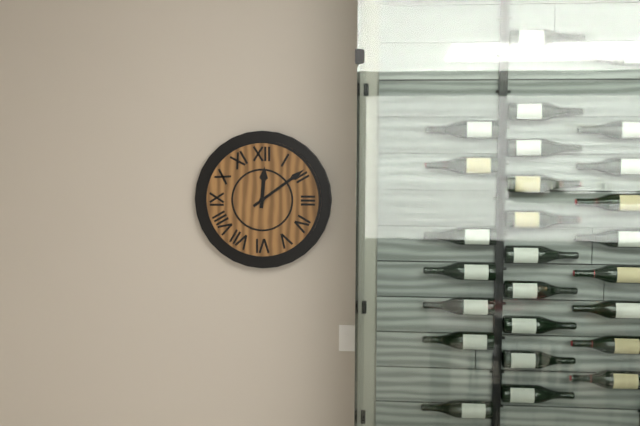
12:09
